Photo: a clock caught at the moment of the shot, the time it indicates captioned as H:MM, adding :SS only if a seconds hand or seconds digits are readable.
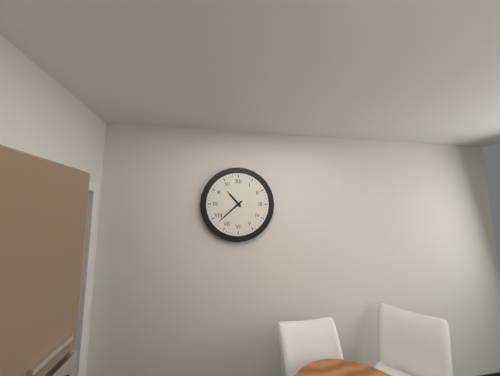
10:38
